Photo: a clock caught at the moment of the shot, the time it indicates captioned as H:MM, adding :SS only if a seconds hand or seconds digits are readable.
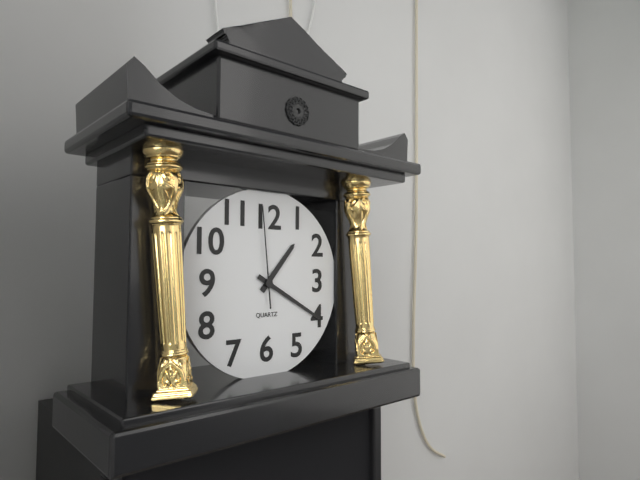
1:20:59
